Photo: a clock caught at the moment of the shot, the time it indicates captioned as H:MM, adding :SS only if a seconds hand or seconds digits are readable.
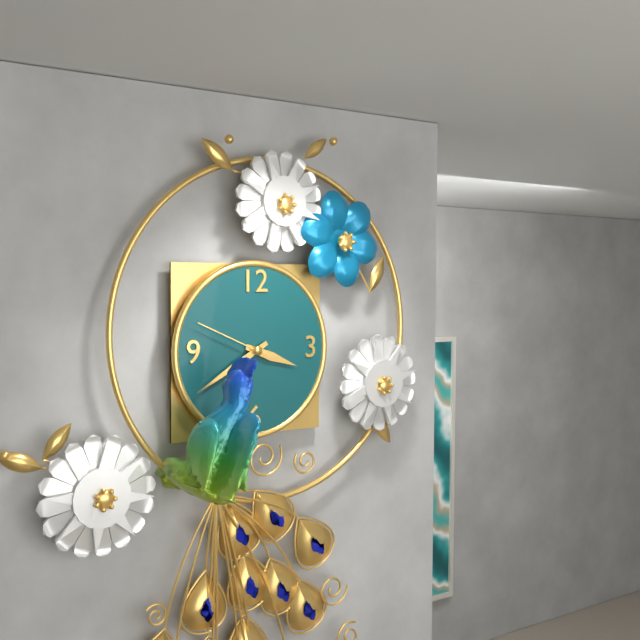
3:40:49
